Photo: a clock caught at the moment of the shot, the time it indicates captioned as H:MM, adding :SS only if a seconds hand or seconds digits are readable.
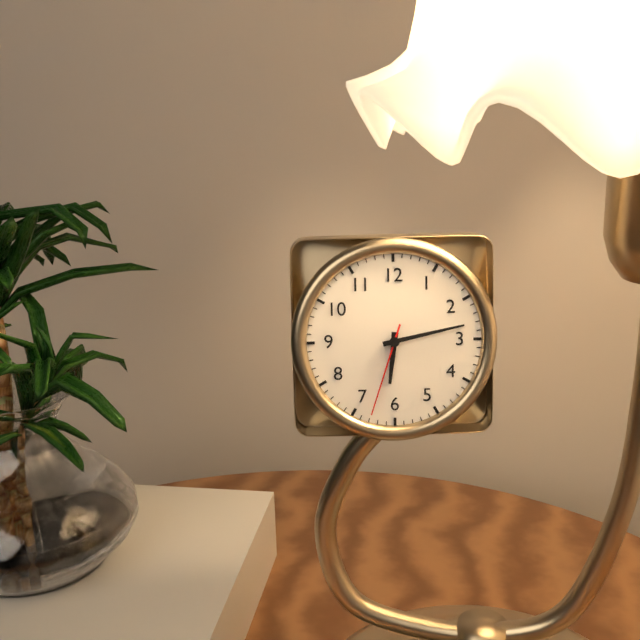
6:13:33
